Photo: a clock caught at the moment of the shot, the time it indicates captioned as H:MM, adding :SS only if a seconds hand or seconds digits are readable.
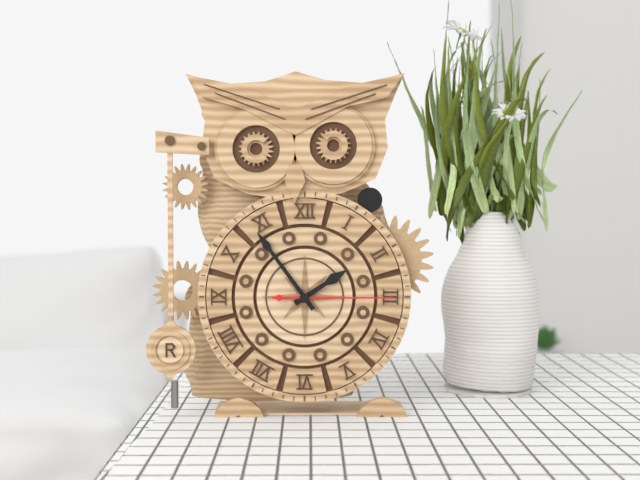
1:54:15
